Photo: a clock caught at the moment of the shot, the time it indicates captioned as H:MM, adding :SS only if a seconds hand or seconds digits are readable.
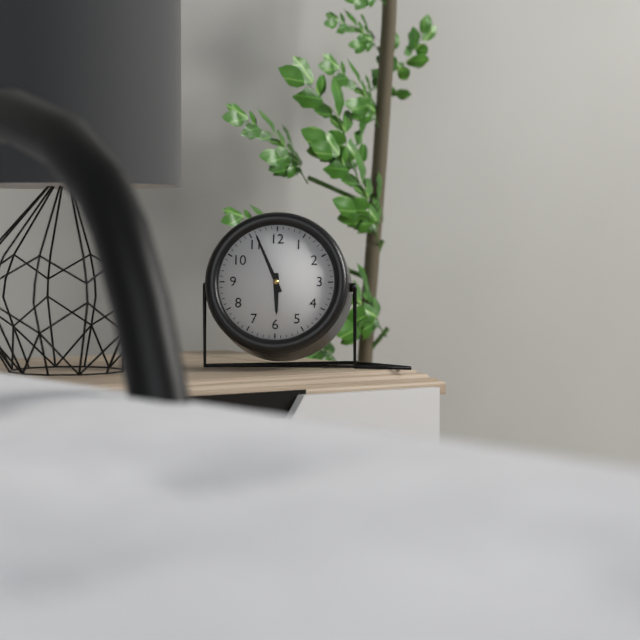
5:56
